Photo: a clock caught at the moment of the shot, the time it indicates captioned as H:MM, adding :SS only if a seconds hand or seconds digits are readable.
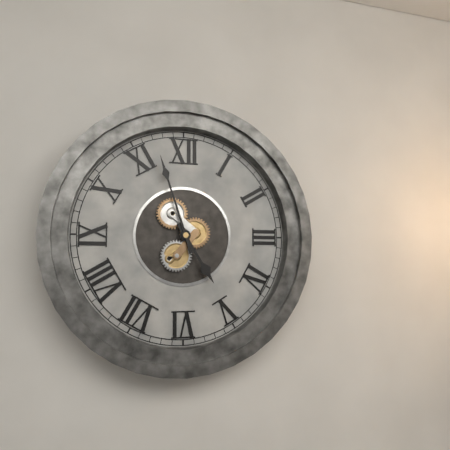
4:57
